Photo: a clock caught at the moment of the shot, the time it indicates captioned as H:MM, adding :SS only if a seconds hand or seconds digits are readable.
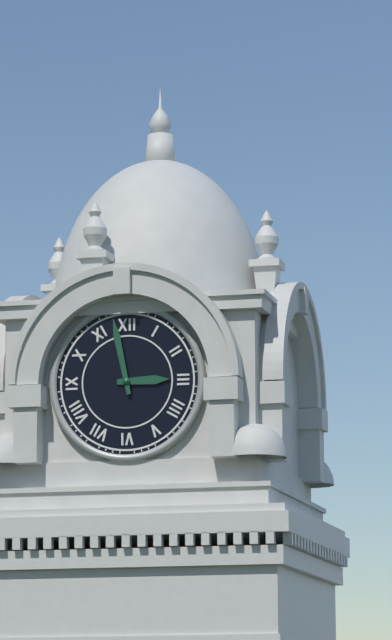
2:58
